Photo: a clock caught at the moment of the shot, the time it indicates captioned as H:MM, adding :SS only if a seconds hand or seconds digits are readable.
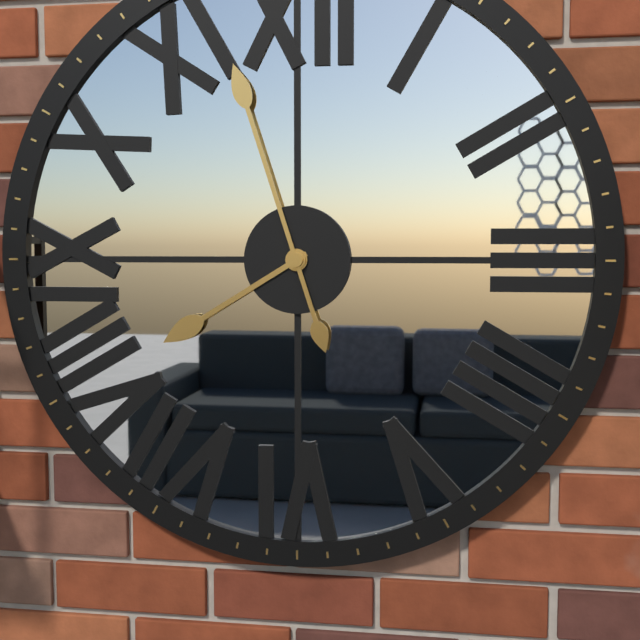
7:57
